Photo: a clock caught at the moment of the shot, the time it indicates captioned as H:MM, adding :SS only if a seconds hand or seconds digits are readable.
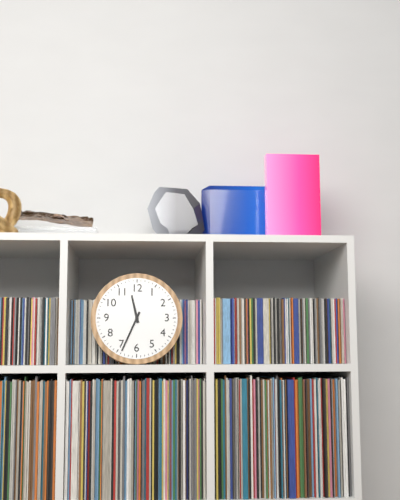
11:34
